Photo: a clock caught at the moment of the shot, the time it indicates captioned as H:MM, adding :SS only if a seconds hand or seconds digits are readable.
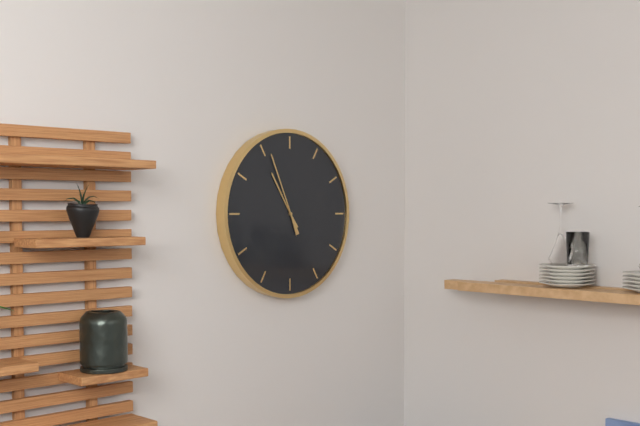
10:56
